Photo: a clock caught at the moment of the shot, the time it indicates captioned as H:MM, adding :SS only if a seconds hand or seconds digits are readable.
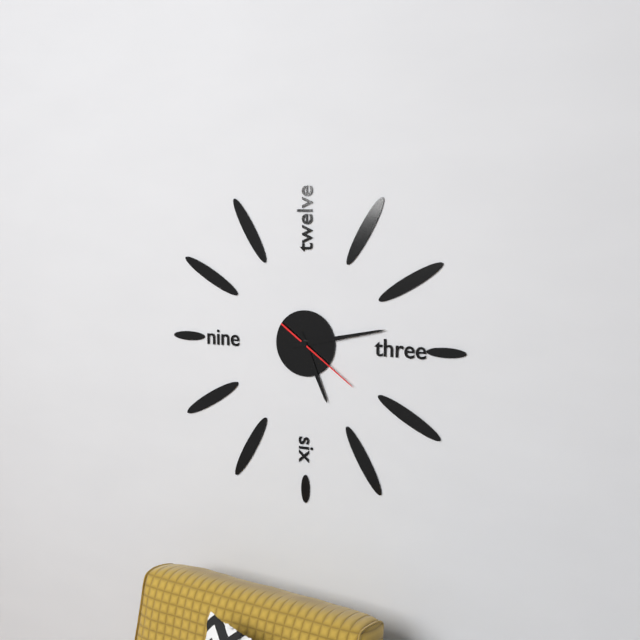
5:13:21
